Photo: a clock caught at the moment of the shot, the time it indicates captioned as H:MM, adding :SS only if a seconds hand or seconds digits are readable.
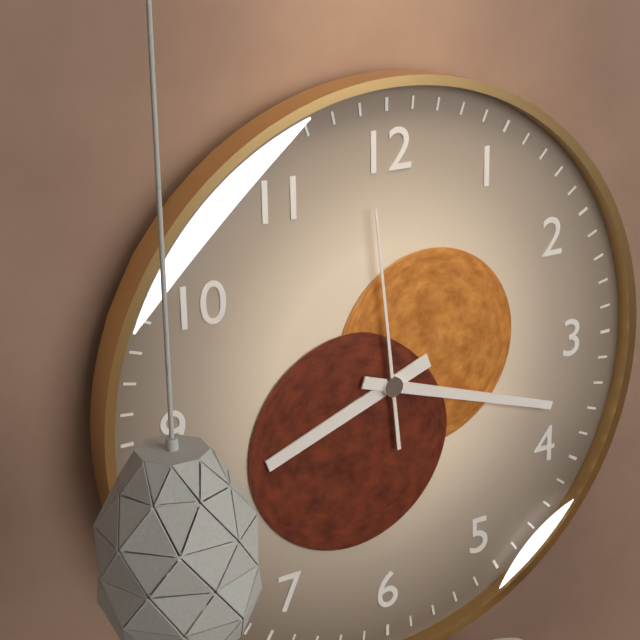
8:18:59
